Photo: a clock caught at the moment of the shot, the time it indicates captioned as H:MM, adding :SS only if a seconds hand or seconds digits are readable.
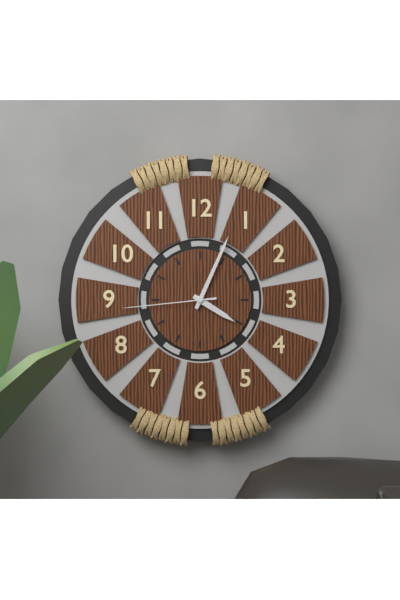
4:04:44
